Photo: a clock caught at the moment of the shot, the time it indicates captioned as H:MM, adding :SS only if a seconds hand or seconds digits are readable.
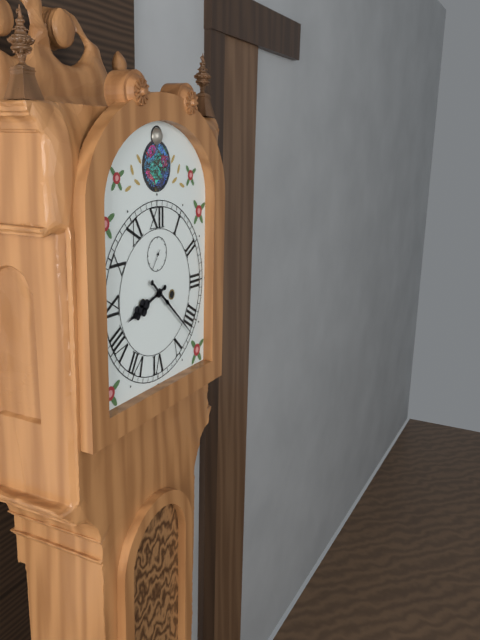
8:22
